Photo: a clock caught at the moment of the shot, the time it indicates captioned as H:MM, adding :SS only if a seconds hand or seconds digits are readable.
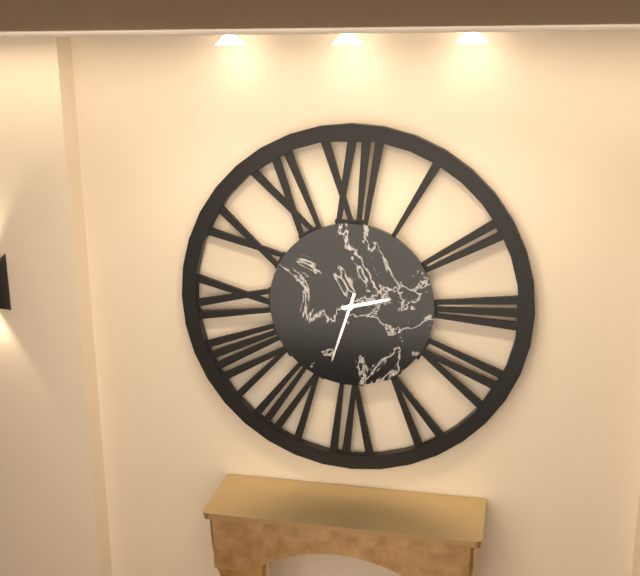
2:33
